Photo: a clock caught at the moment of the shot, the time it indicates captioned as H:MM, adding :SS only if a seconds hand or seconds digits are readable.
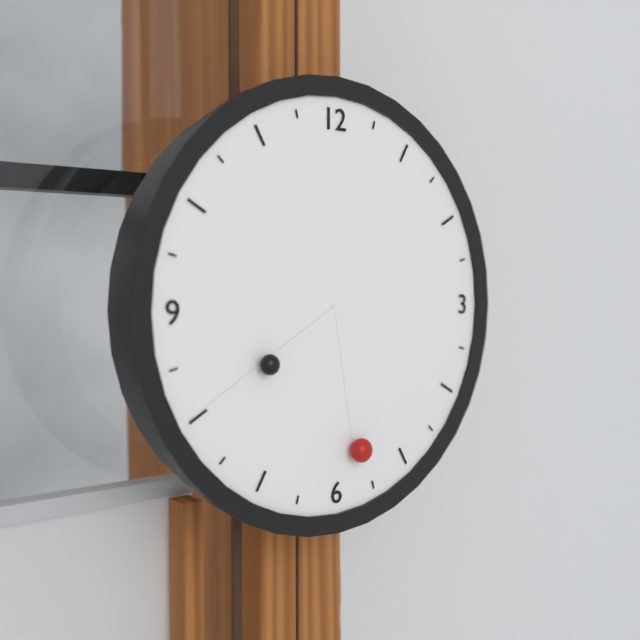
5:40
